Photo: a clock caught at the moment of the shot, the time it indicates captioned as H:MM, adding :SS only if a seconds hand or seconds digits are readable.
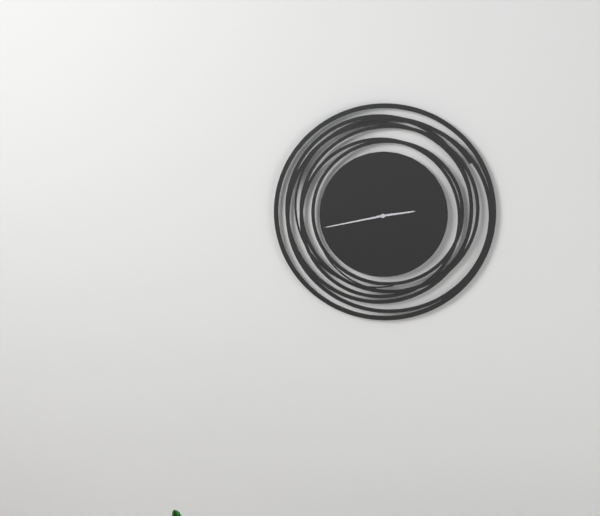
2:43
